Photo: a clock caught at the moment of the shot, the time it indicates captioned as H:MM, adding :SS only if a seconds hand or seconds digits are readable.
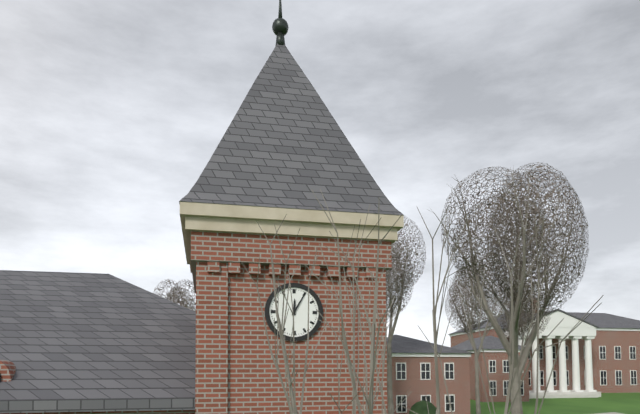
12:05
